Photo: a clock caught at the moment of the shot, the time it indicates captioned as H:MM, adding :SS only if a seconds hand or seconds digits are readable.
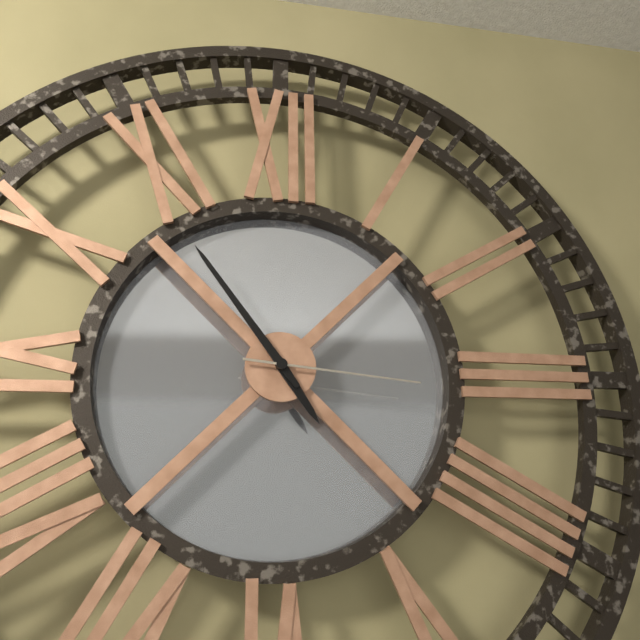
4:54:16
